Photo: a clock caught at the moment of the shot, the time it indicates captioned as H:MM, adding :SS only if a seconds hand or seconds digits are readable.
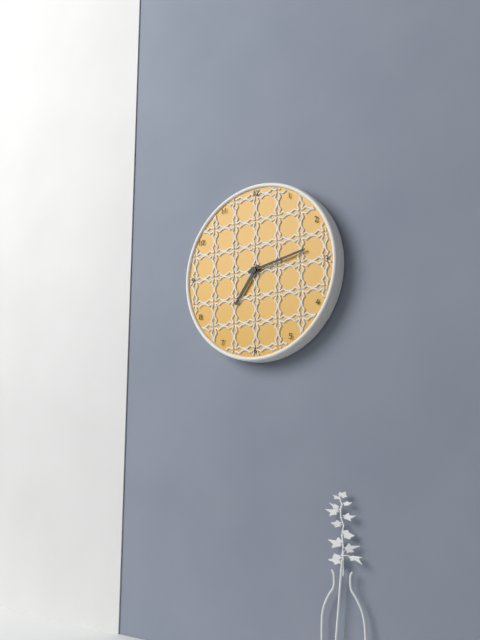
7:13
